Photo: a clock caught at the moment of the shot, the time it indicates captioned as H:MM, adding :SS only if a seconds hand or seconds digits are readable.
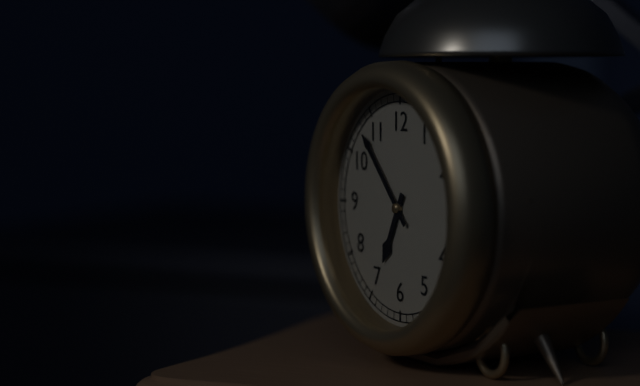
6:53
